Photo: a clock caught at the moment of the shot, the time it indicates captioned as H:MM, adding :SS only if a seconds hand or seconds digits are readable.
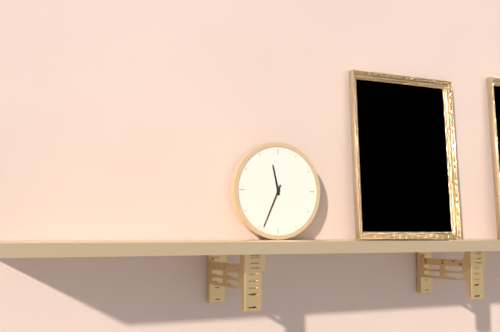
11:34
